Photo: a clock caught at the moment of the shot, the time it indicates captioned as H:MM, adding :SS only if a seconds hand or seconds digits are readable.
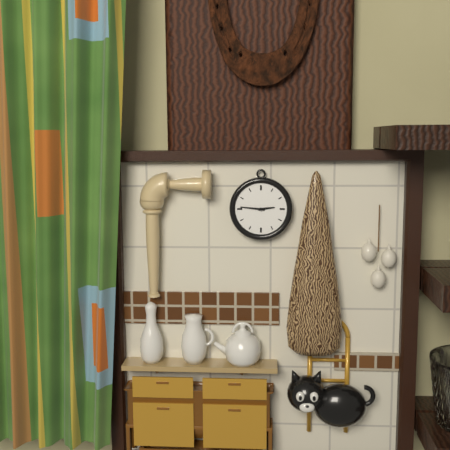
2:46
